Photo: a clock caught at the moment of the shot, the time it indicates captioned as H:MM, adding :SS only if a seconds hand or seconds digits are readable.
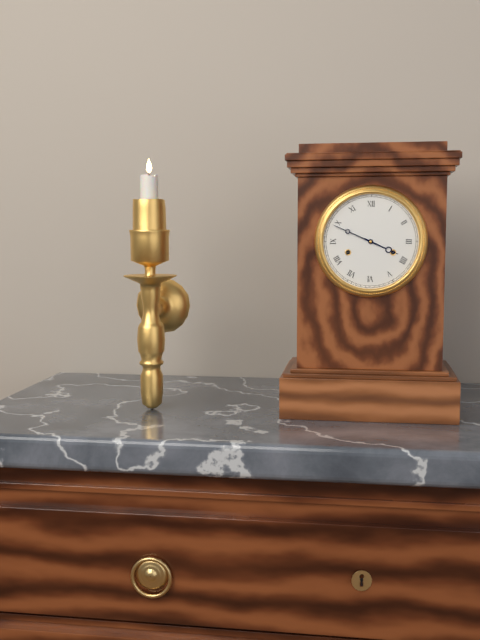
3:49
